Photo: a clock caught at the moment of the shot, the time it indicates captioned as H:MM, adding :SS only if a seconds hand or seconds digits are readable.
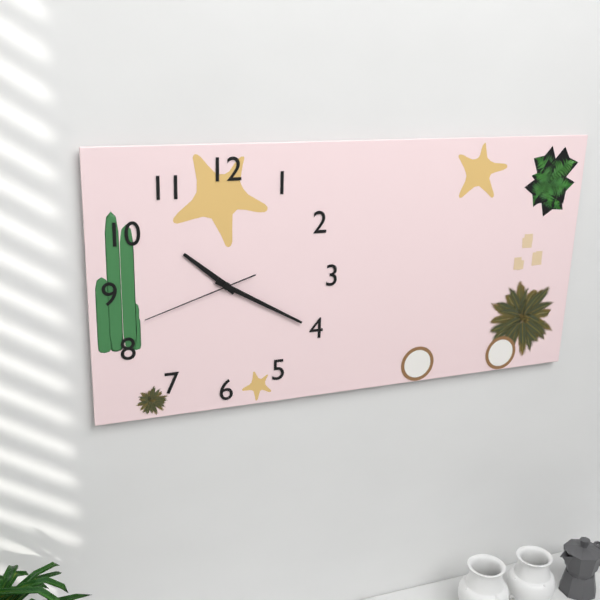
10:20:42
